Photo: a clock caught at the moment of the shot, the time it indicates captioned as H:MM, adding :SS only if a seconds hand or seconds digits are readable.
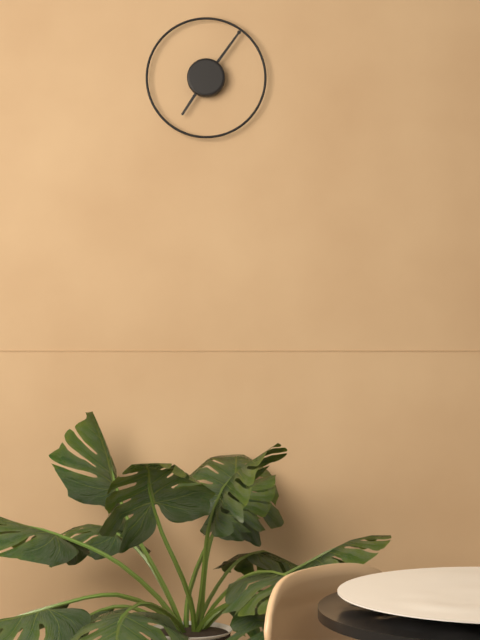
7:06
